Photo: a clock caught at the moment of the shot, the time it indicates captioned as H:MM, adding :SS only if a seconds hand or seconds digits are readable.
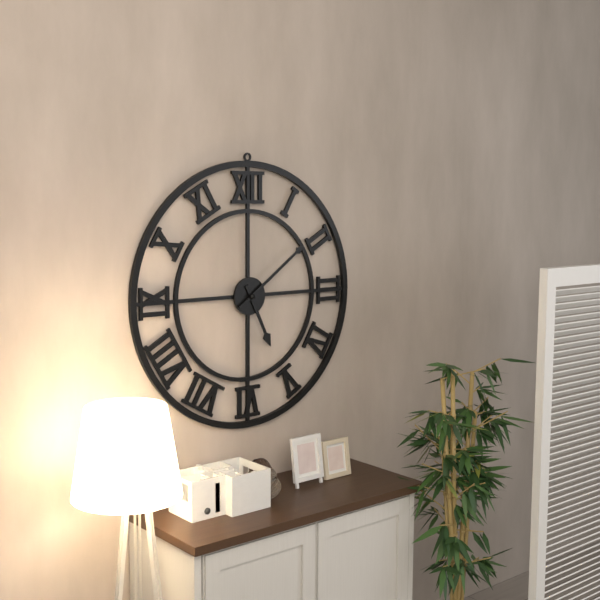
5:09
